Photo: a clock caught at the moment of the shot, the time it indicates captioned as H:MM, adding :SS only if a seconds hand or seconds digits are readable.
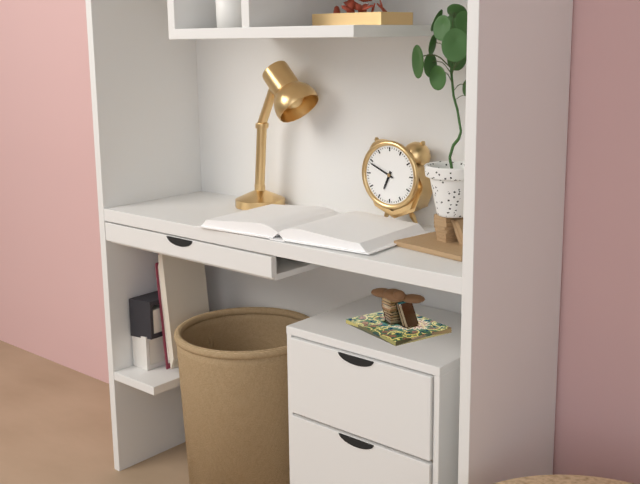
6:49
